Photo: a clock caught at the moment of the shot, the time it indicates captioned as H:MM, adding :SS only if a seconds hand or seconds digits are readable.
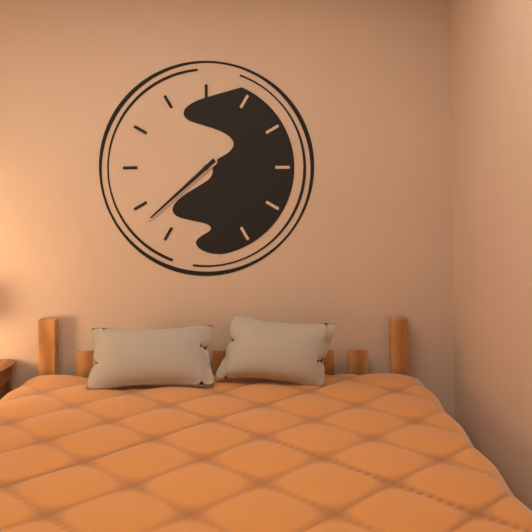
7:38
